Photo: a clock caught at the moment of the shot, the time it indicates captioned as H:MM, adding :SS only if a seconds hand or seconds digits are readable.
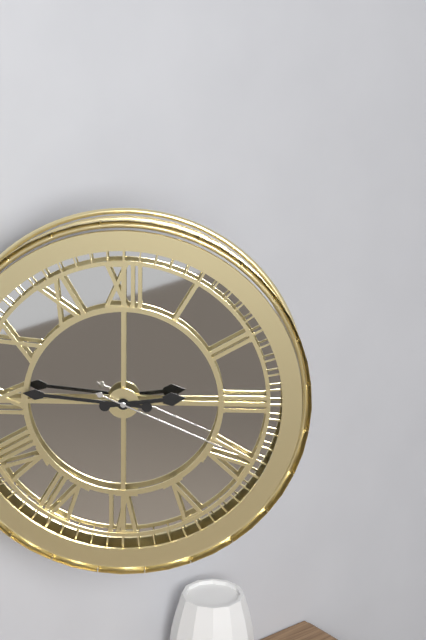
2:46:19
